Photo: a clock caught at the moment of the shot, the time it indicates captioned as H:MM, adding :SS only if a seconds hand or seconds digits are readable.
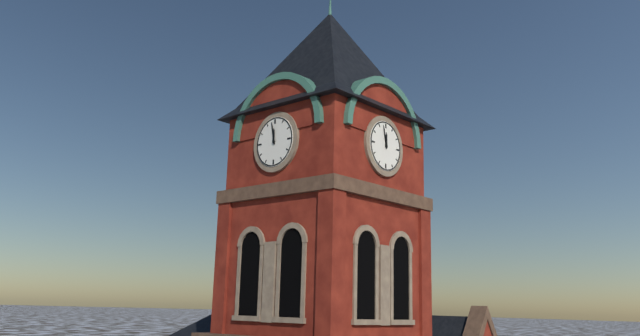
11:58
